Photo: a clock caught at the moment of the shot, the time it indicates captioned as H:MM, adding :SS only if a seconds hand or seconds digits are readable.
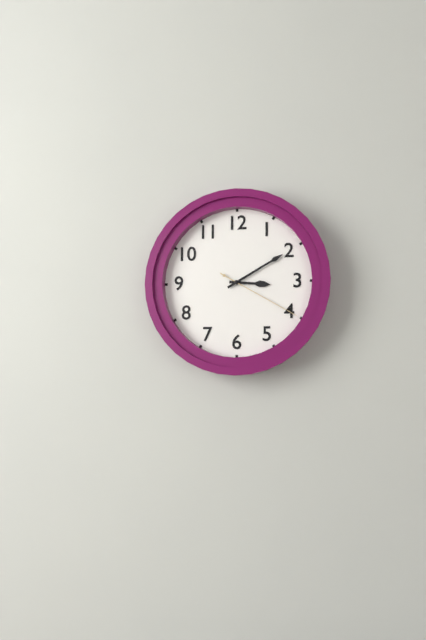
3:10:20
